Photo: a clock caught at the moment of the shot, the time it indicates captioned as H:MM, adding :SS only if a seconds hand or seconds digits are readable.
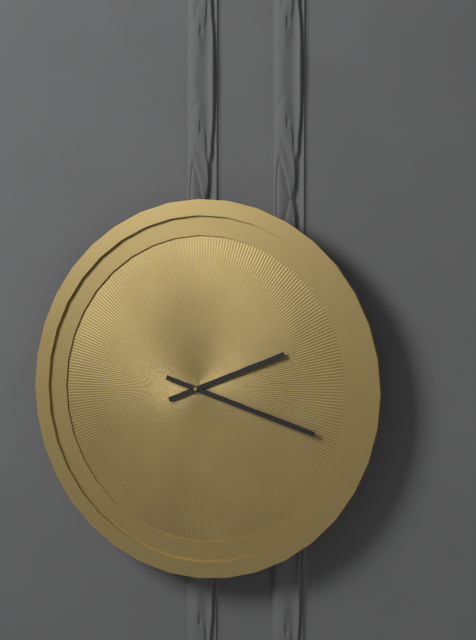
2:18
